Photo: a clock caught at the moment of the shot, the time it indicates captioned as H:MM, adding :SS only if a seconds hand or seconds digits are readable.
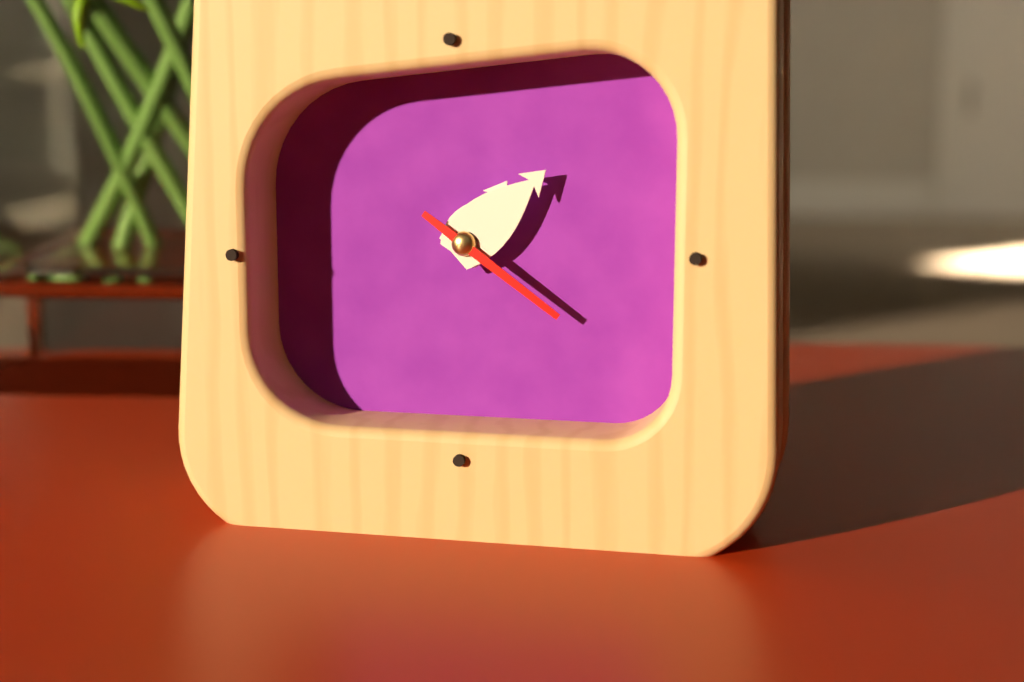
1:08:21
